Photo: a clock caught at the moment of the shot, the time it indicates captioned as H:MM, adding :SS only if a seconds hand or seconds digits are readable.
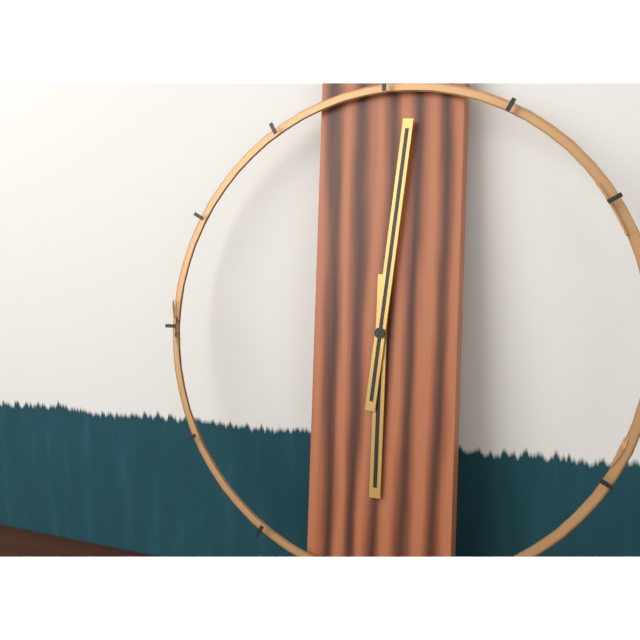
6:01
